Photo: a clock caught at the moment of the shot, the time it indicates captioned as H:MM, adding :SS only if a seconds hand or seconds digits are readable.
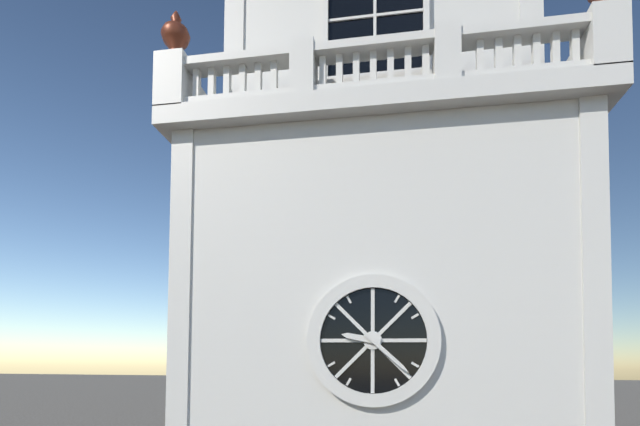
9:22
